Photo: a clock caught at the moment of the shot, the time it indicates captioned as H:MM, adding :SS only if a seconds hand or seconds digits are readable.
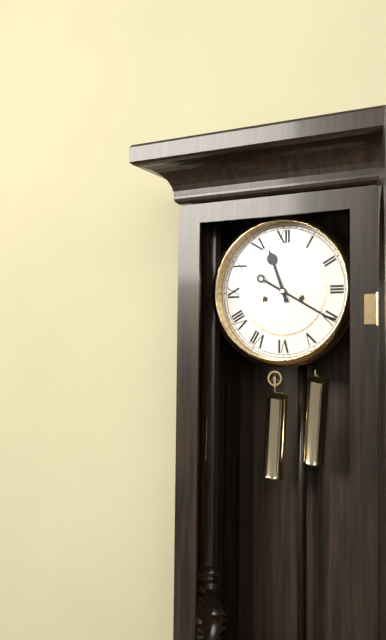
11:20
